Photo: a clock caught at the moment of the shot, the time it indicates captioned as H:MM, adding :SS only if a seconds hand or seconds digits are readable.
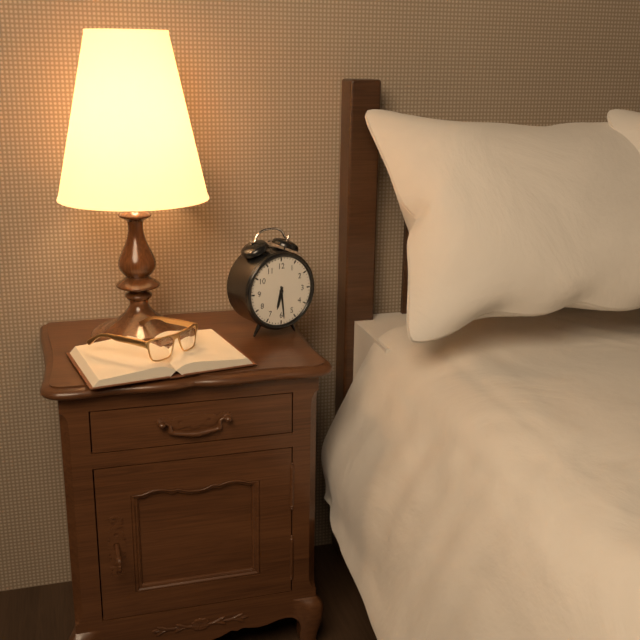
6:29
